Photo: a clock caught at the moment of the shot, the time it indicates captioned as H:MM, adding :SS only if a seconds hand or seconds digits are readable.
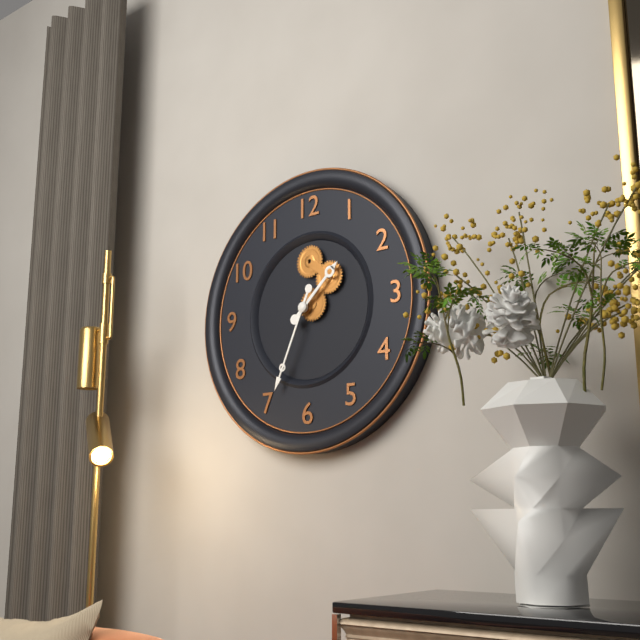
1:34
